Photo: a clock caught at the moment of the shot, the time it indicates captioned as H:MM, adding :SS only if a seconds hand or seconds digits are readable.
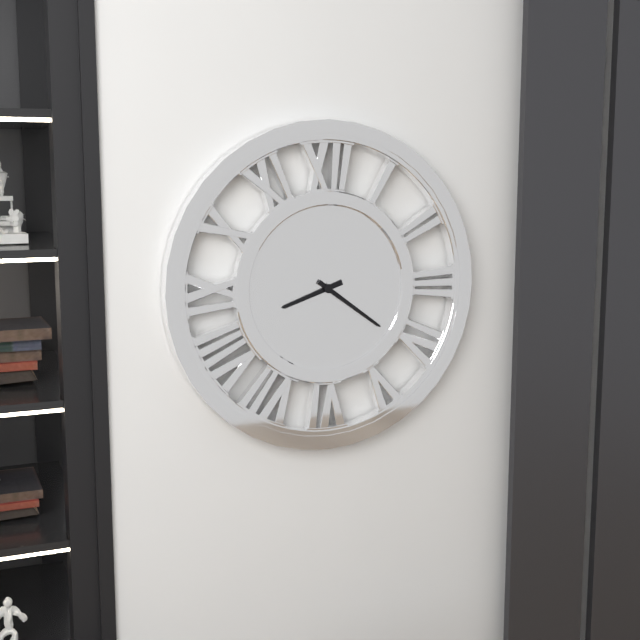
8:21
